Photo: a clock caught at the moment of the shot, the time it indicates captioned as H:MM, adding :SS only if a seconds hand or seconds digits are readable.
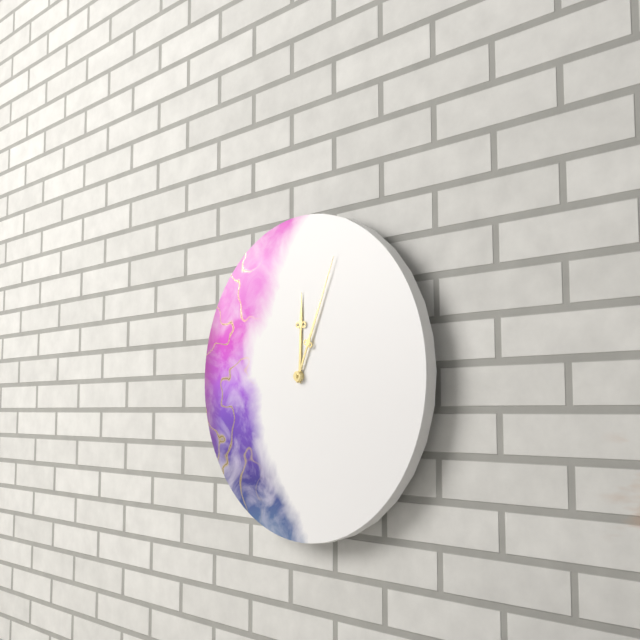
12:04
